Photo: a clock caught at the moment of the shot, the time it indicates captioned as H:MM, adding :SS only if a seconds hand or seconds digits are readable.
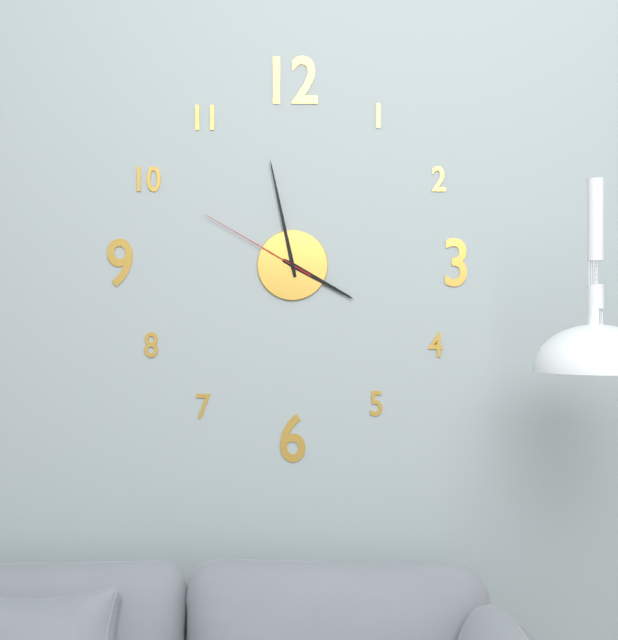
3:58:50
